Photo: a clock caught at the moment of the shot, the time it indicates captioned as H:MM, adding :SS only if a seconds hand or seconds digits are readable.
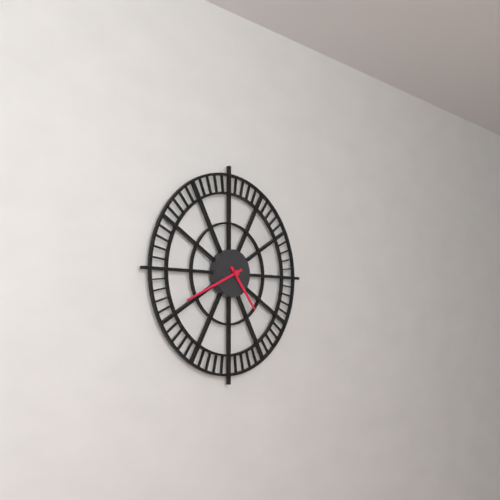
4:41
